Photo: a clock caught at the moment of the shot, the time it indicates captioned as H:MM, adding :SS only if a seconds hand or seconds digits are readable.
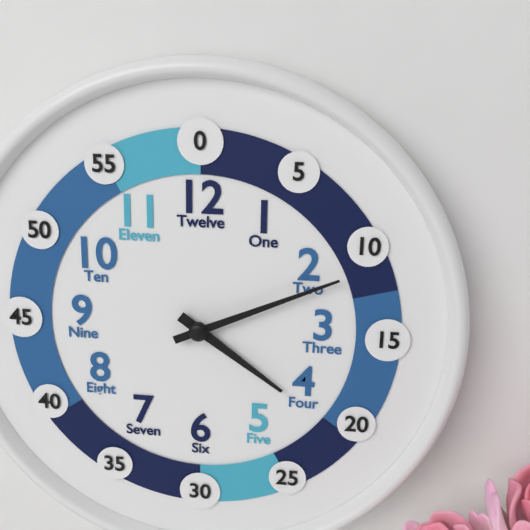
4:11
